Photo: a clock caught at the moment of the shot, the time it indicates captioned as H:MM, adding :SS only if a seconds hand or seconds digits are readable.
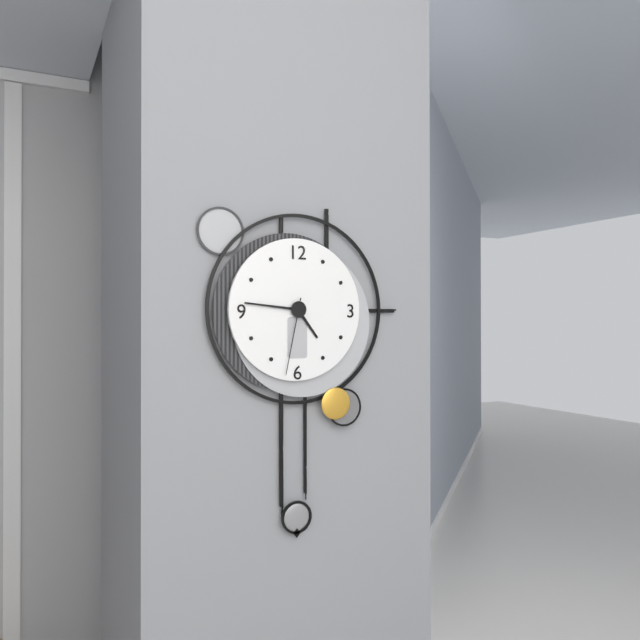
4:46:32
